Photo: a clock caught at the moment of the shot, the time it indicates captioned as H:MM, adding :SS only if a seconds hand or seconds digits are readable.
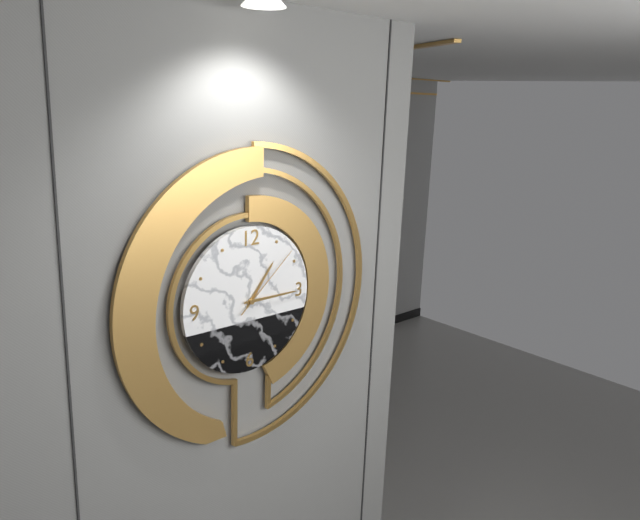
1:15:08
